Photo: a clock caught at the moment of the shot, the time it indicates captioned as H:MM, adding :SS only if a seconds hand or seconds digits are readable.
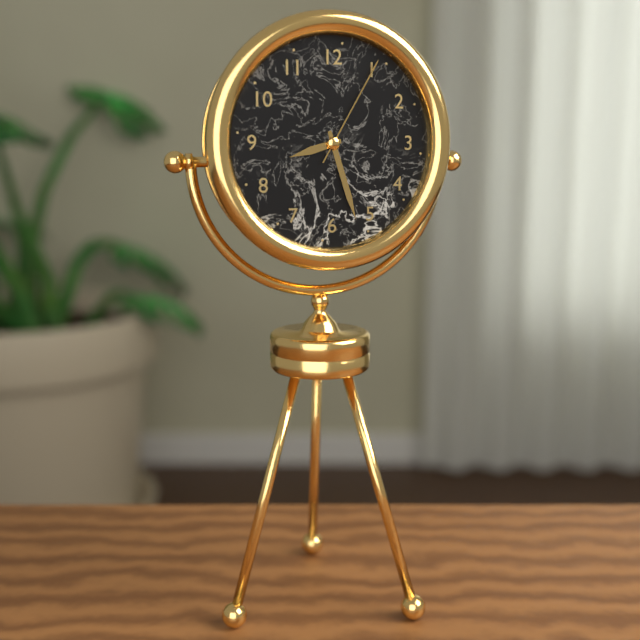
8:27:05
